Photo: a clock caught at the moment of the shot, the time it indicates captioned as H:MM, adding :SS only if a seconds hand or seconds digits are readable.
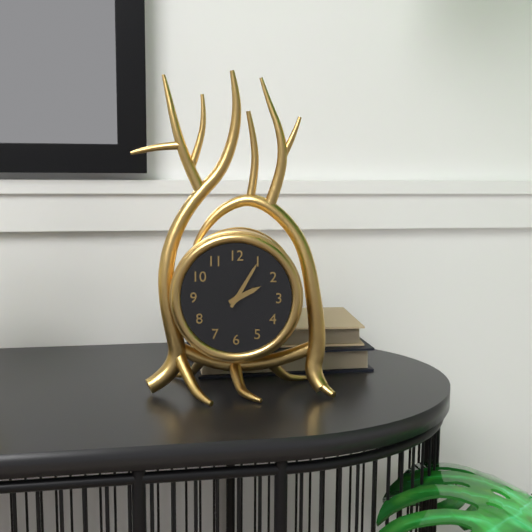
2:05
